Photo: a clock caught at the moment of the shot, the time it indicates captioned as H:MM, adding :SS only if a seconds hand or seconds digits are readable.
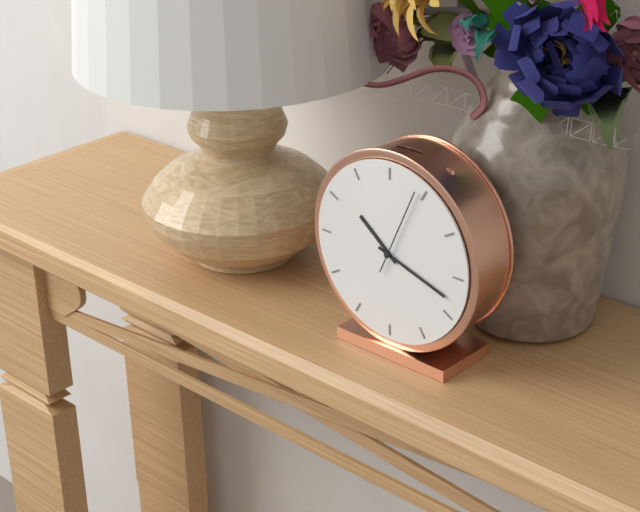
10:18:04
